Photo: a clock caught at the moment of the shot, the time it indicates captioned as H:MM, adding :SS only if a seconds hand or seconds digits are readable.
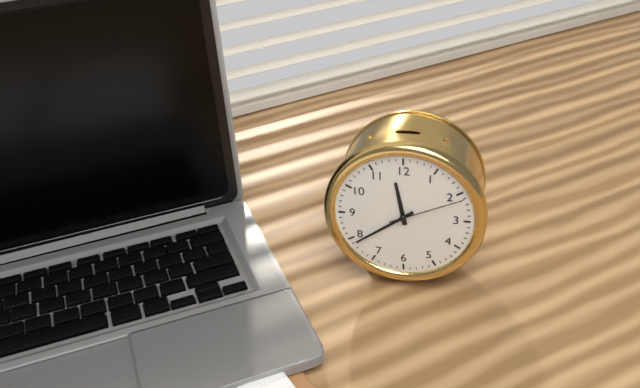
11:39:11
